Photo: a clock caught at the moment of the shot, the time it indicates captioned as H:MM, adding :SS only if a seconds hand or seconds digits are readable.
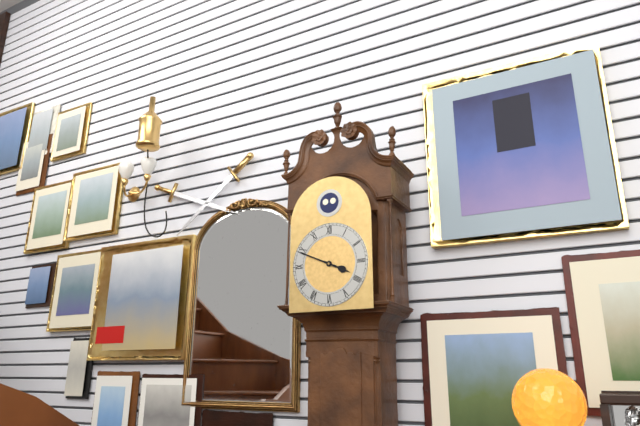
3:49
